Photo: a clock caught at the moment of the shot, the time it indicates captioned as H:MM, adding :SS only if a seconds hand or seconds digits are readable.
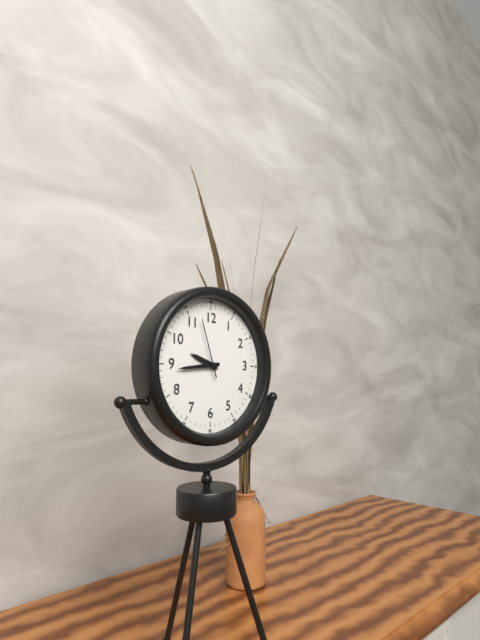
9:44:57
